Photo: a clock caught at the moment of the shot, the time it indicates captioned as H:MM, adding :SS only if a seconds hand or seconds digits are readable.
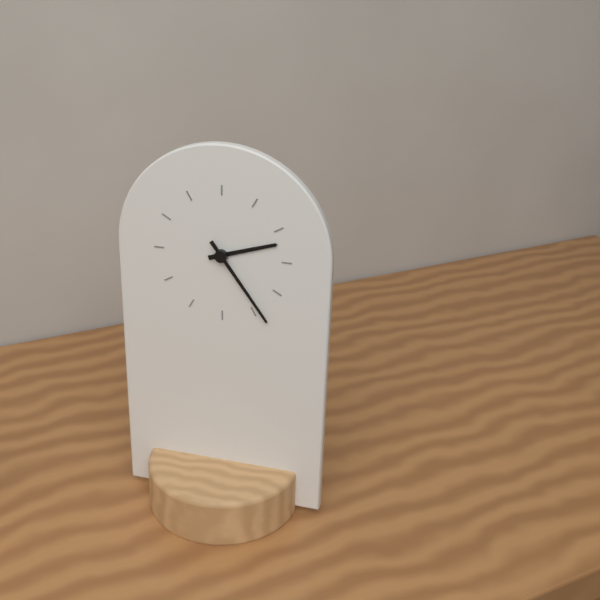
2:24
